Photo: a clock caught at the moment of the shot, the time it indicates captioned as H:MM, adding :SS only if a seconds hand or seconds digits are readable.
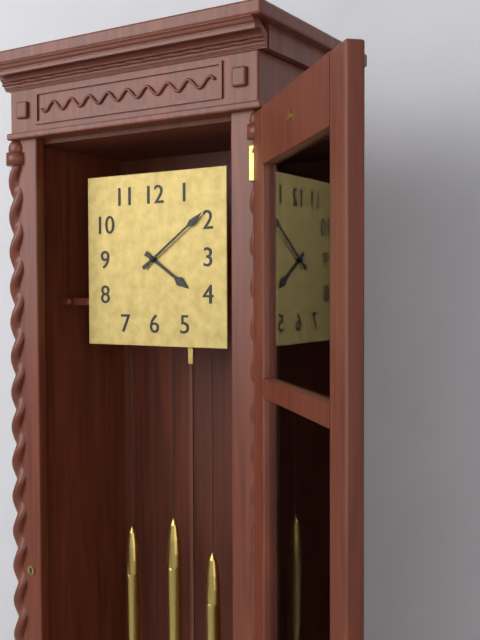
4:09
